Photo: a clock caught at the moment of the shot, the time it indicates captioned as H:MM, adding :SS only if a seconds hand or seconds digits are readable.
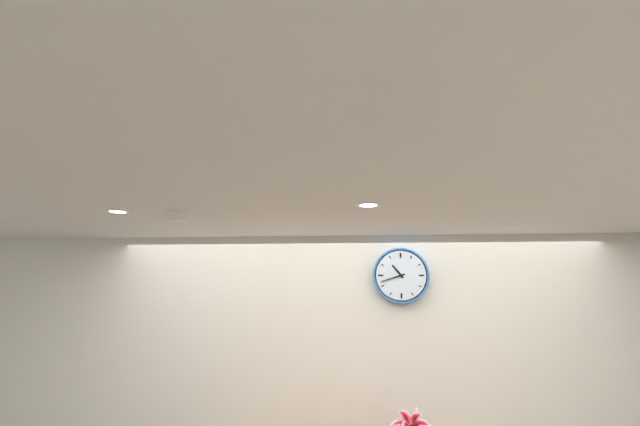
10:42
